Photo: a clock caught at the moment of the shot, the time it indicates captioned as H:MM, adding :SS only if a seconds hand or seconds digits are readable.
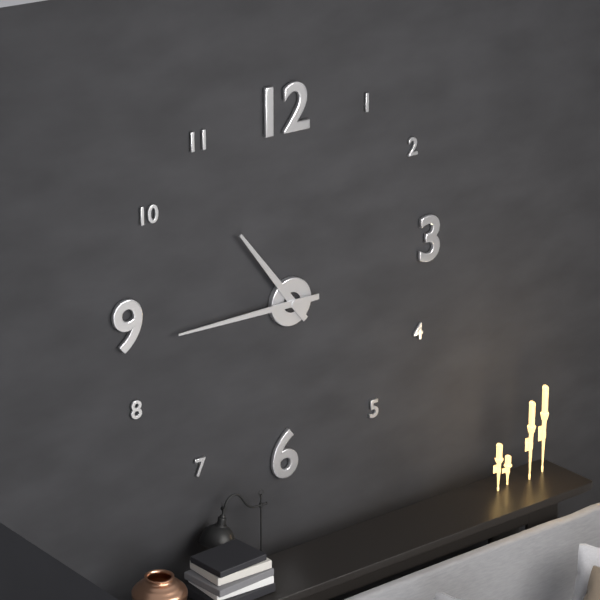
10:45
